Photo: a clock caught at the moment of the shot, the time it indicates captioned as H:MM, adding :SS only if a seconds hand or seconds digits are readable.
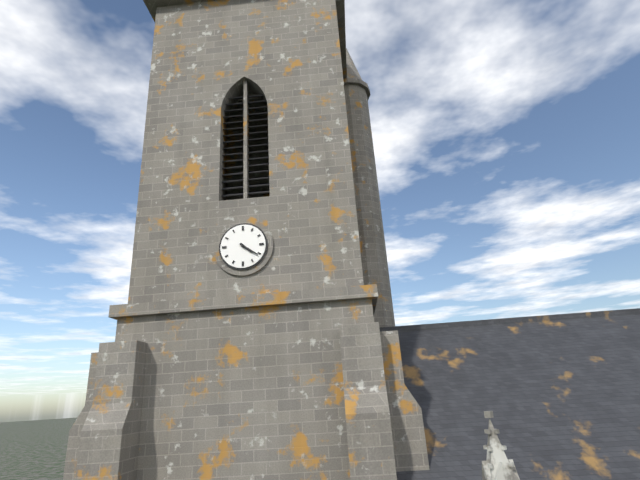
4:21
